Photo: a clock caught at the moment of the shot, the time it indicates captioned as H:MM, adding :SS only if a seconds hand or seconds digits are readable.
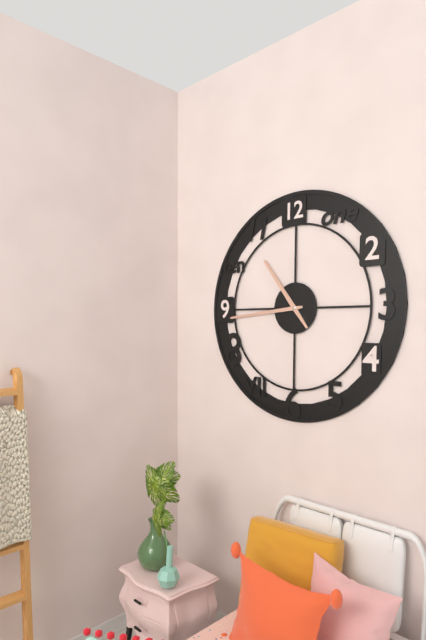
10:44
